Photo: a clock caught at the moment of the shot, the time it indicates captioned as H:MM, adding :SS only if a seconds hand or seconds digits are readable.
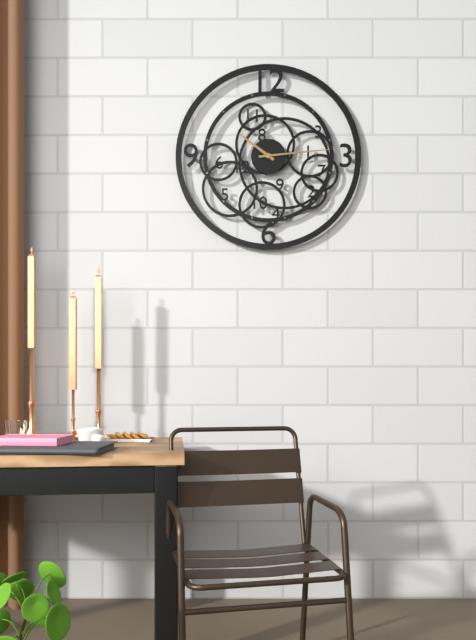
10:14
